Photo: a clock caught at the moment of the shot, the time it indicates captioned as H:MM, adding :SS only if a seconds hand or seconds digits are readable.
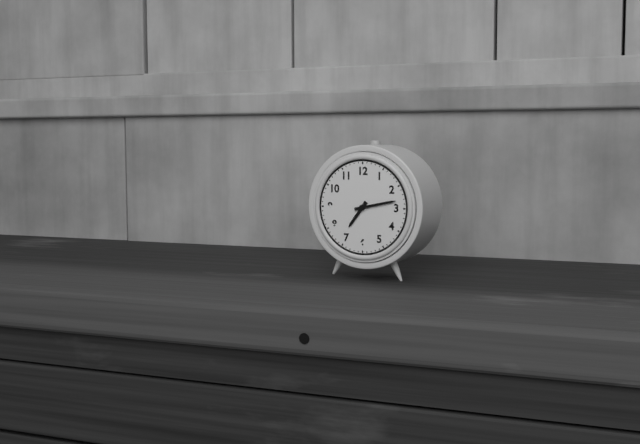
7:13
